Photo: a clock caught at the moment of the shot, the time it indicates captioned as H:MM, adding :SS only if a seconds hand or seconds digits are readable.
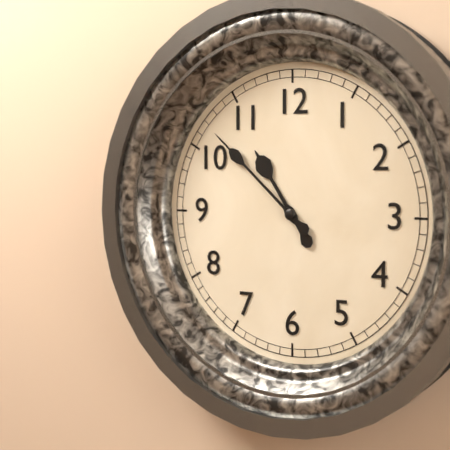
10:52
